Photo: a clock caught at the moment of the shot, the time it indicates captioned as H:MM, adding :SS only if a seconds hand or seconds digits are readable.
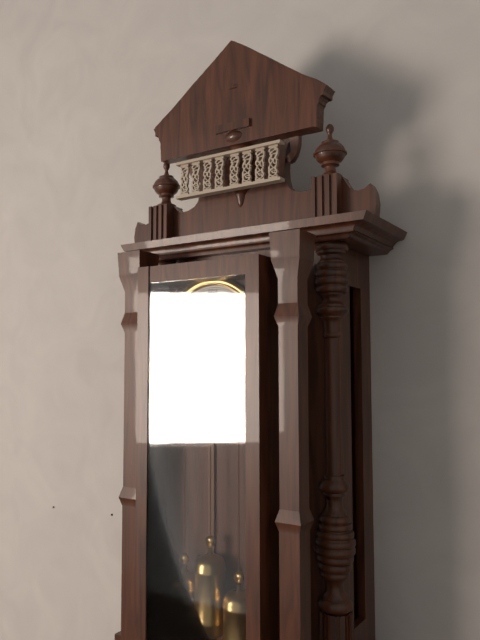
5:59
